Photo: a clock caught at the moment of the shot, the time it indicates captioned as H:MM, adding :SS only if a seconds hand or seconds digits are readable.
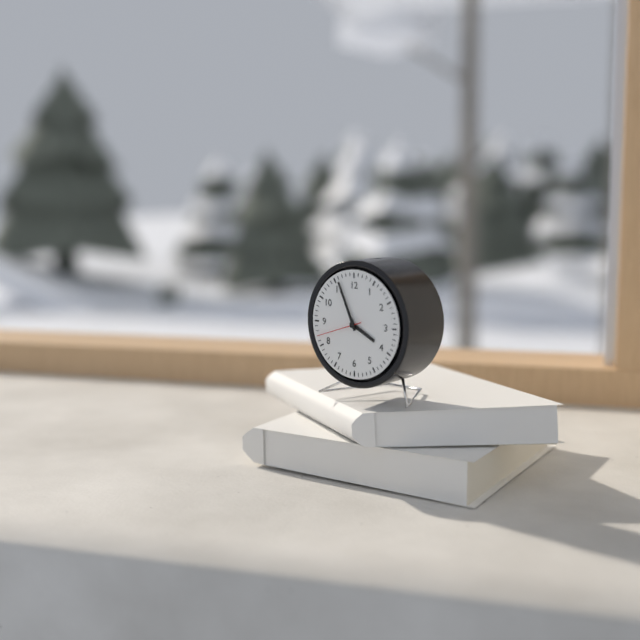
3:56:42
